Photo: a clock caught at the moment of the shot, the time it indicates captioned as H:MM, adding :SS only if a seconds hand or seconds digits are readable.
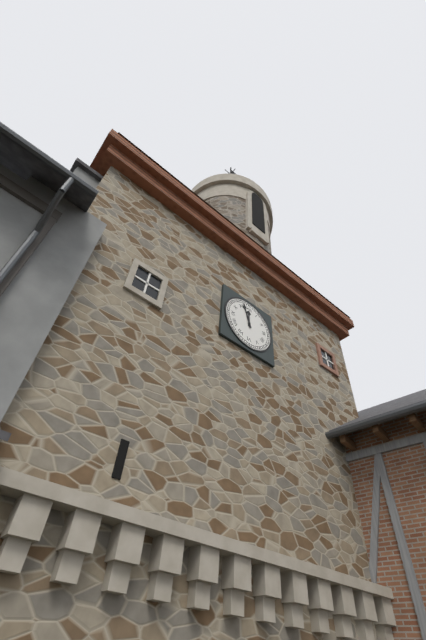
11:57
